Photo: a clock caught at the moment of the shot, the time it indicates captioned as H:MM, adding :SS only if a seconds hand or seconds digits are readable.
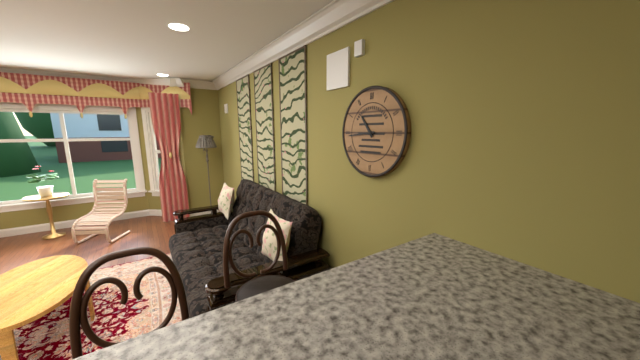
10:44
